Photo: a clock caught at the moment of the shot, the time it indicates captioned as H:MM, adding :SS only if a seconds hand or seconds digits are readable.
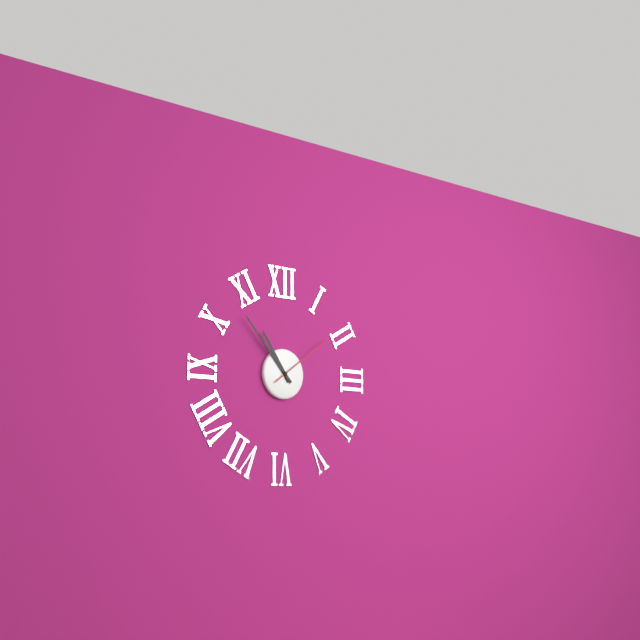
10:53:09
